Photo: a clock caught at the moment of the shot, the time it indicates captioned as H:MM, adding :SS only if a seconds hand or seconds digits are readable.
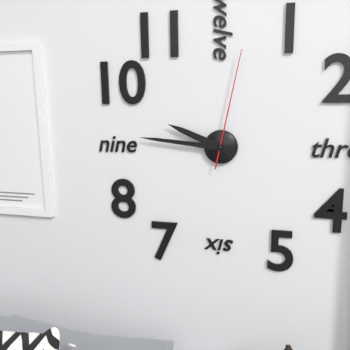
9:46:02
